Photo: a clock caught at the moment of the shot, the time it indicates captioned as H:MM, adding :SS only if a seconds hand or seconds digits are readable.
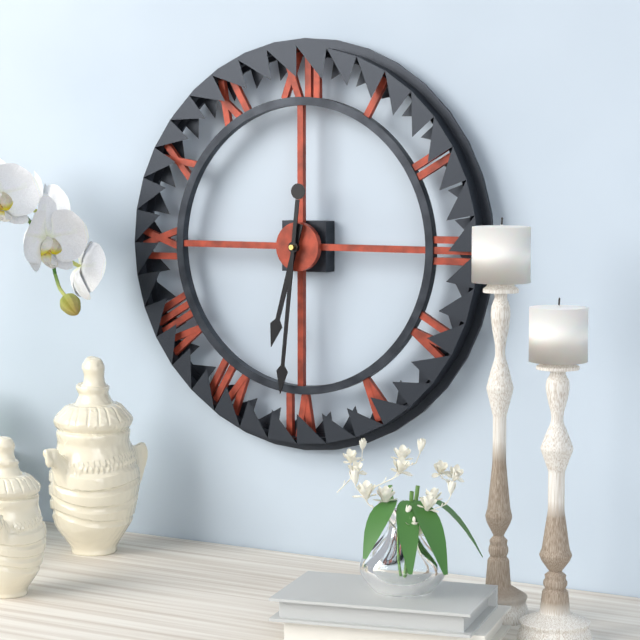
6:31
